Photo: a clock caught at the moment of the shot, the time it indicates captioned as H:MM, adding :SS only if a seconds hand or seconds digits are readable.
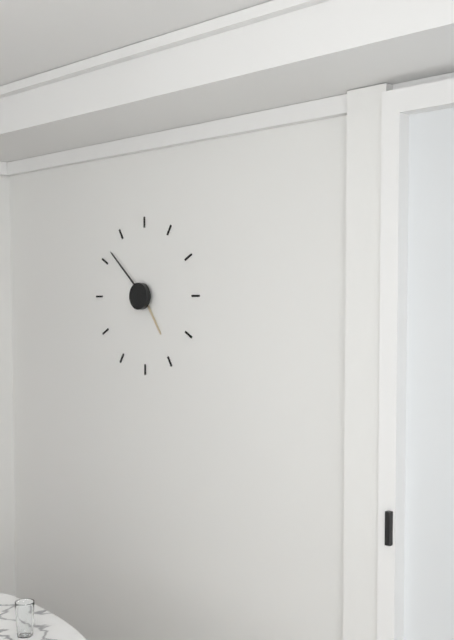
4:52
